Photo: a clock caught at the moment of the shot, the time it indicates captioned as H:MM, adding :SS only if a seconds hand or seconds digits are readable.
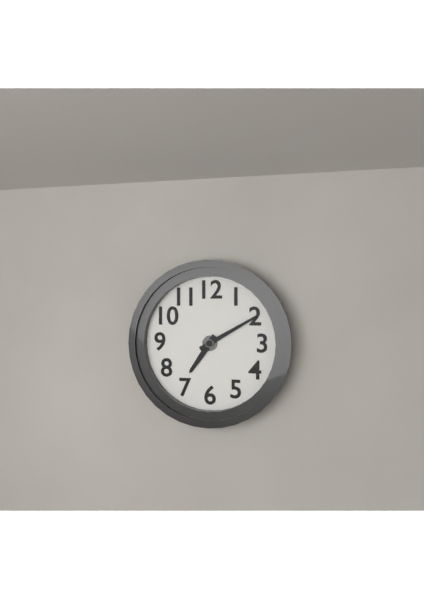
7:10
